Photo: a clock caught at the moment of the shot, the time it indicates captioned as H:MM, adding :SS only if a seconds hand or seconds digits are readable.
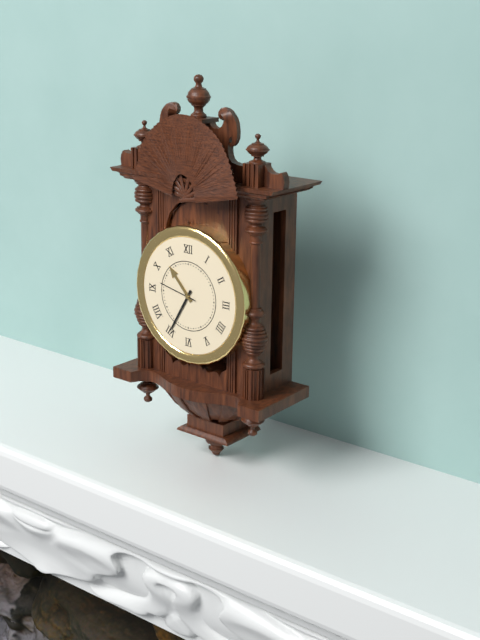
10:35
